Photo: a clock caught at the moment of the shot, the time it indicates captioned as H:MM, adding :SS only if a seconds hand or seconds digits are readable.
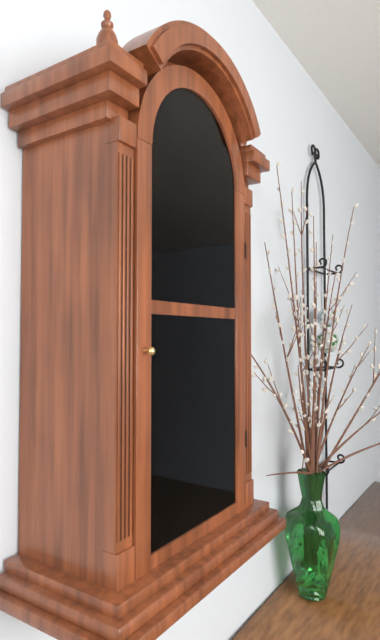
2:30
